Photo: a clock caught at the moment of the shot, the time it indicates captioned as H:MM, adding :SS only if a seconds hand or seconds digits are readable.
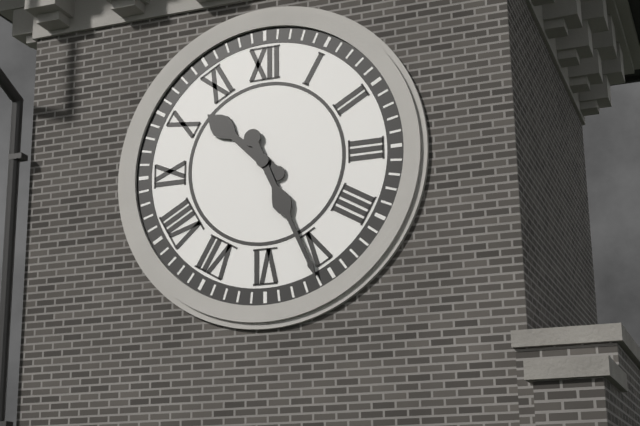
10:26
